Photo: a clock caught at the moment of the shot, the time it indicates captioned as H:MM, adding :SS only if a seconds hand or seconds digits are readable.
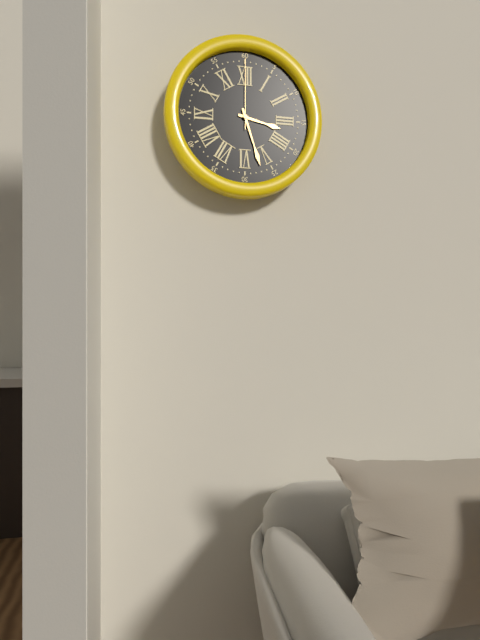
3:27:00
